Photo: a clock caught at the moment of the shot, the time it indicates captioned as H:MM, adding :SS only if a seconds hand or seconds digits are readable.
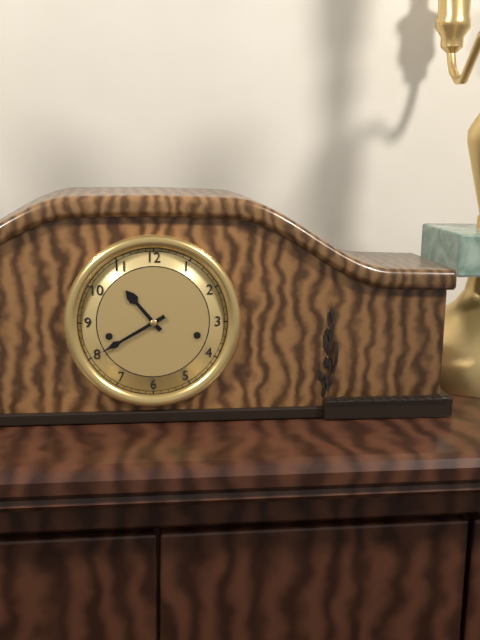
10:40
